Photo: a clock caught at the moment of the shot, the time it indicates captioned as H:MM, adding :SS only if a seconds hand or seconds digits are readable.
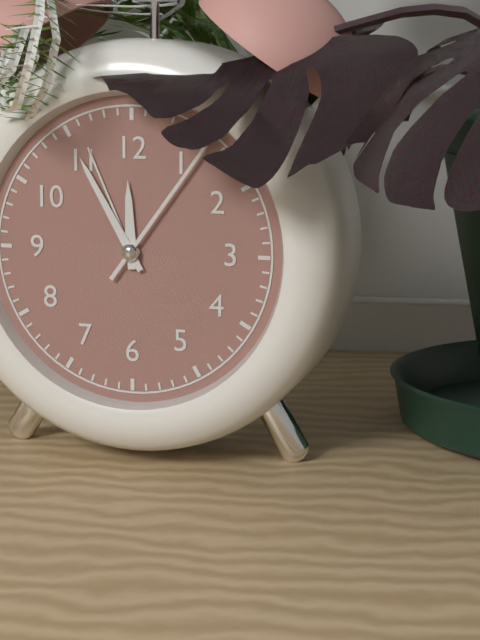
11:55
